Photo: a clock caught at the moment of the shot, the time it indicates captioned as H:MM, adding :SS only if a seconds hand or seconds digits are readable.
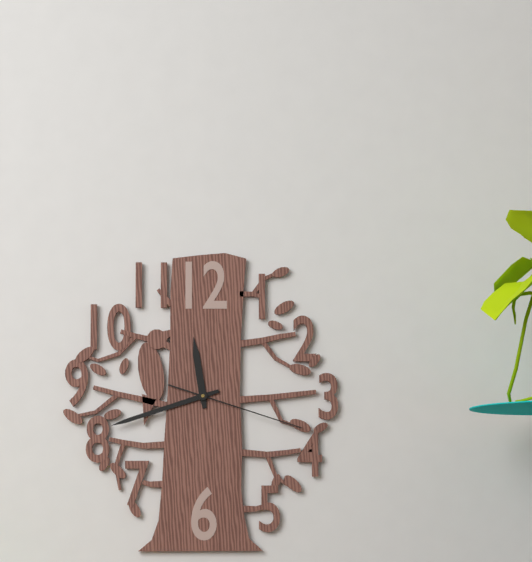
11:42:18
